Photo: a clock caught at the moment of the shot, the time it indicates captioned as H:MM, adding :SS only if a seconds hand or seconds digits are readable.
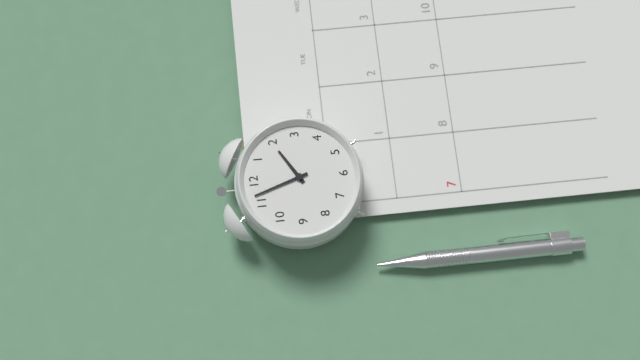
1:57
